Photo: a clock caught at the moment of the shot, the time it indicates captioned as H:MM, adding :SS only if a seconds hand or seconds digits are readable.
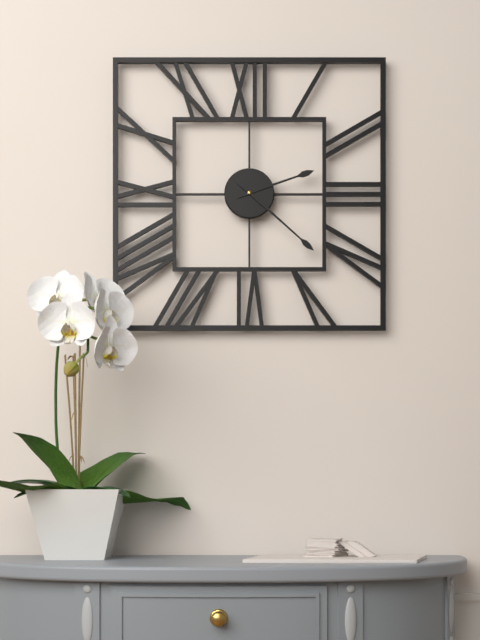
2:22
